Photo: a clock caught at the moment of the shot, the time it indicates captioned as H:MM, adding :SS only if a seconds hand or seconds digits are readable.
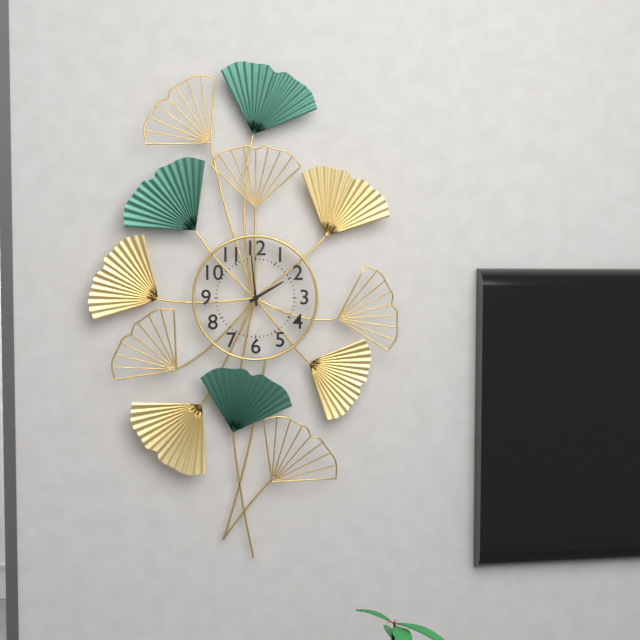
1:59
